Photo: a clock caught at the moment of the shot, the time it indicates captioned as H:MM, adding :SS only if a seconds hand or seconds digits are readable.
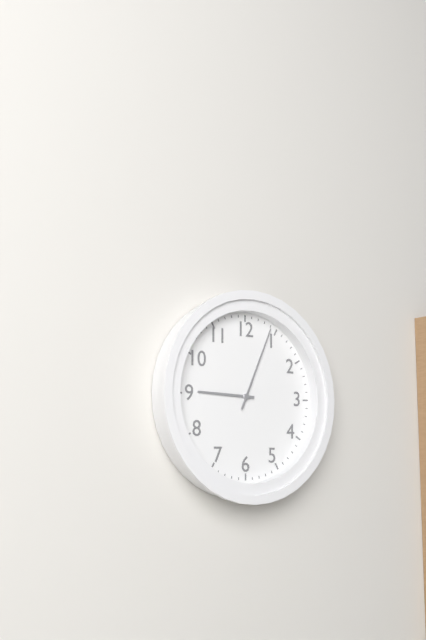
9:04
